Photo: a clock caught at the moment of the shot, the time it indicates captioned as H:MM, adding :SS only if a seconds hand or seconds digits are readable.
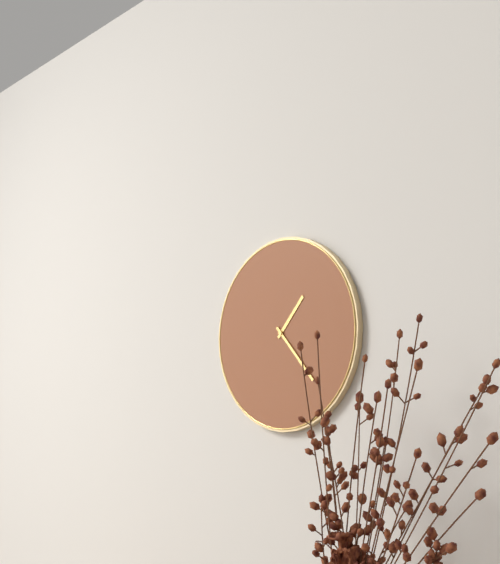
1:23
